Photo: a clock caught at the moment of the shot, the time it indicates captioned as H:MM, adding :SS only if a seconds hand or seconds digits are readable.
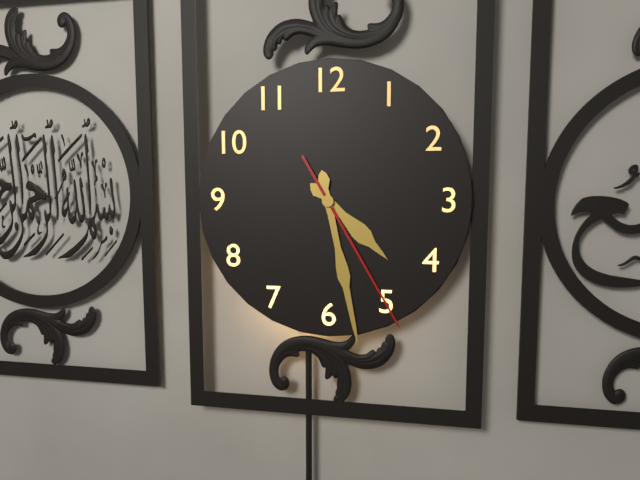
4:28:25
